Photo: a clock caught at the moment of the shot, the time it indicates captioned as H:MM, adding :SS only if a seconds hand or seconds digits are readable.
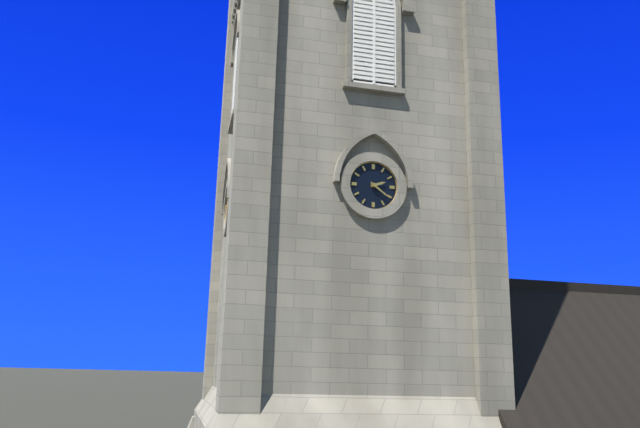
2:21
